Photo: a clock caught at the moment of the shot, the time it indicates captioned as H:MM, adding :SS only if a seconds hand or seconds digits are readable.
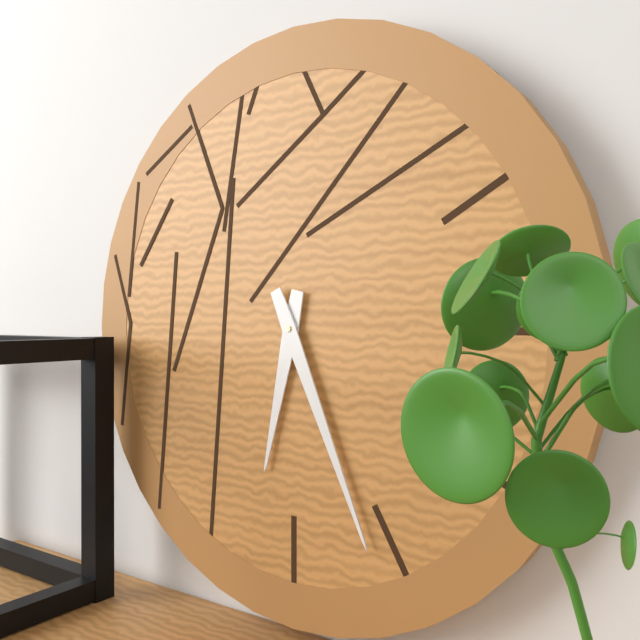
6:26
